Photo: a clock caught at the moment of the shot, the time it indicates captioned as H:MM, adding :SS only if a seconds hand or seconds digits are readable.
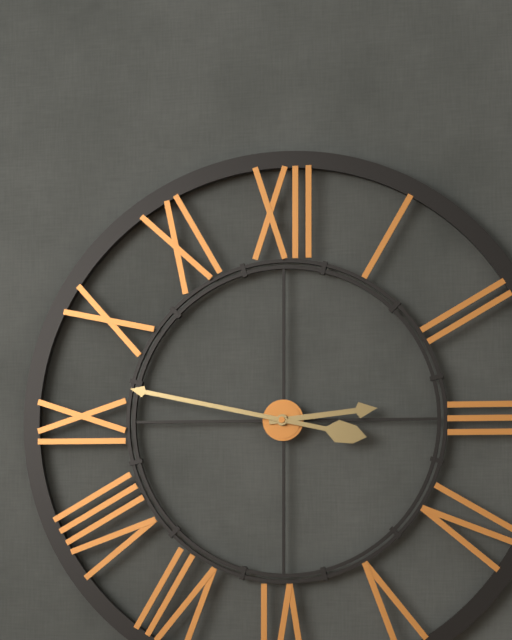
2:47
